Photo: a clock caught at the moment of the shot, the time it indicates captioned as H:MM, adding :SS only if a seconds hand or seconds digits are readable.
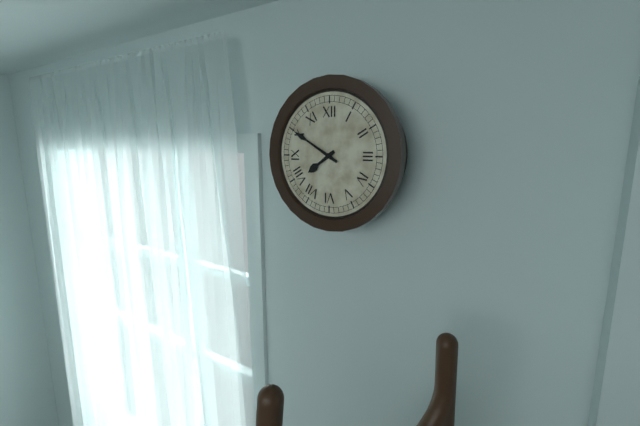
7:50
